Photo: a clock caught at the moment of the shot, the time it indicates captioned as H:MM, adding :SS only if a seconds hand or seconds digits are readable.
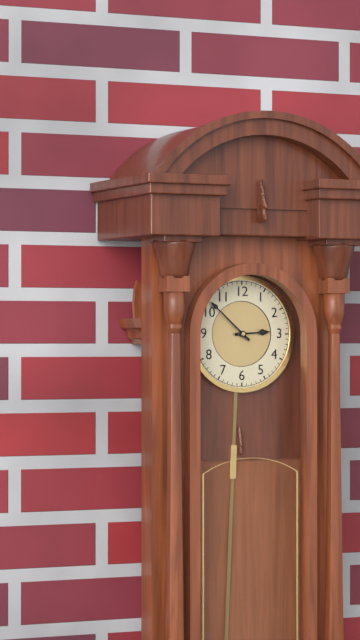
2:52
